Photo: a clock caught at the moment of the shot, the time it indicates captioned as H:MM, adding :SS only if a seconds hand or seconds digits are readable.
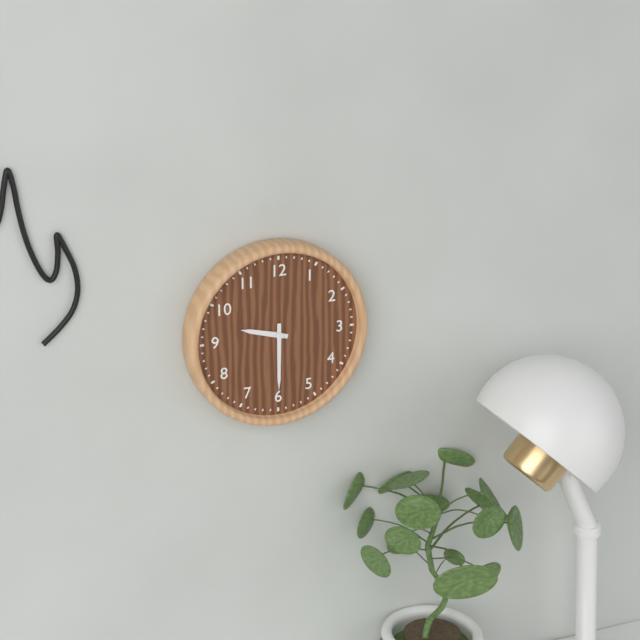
9:30
